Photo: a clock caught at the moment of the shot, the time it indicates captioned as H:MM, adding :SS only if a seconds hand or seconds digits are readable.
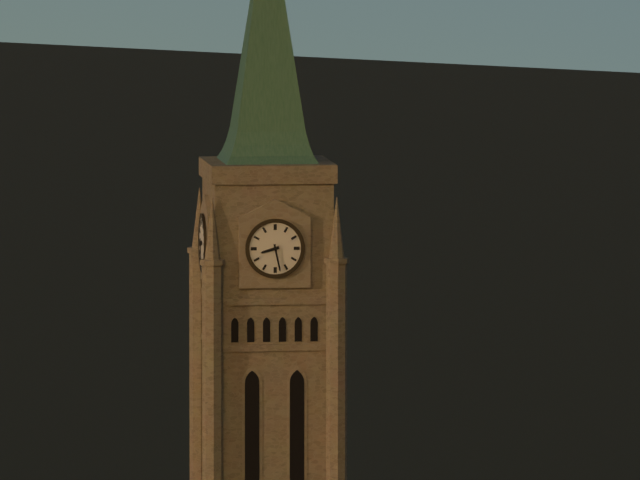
8:28
